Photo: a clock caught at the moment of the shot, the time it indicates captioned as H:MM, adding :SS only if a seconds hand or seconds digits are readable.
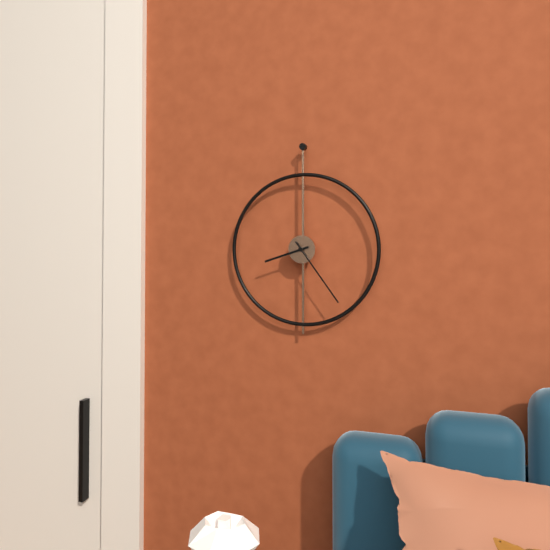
8:24
